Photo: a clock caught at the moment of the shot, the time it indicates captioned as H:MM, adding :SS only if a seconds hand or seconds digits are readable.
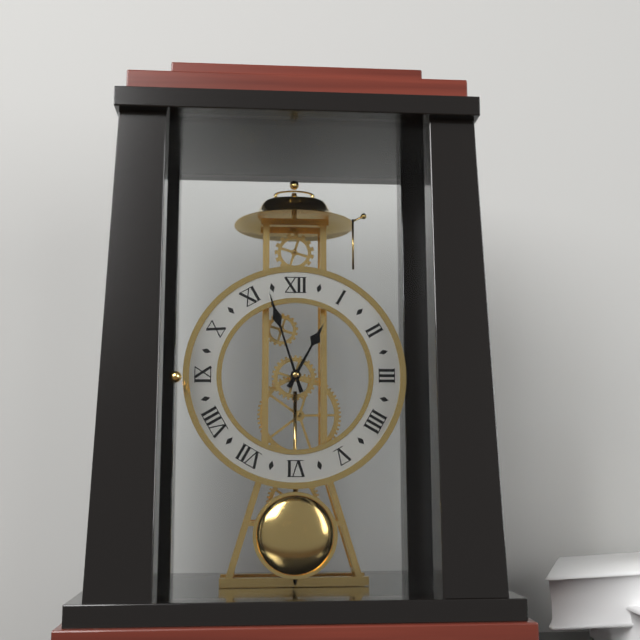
12:57
